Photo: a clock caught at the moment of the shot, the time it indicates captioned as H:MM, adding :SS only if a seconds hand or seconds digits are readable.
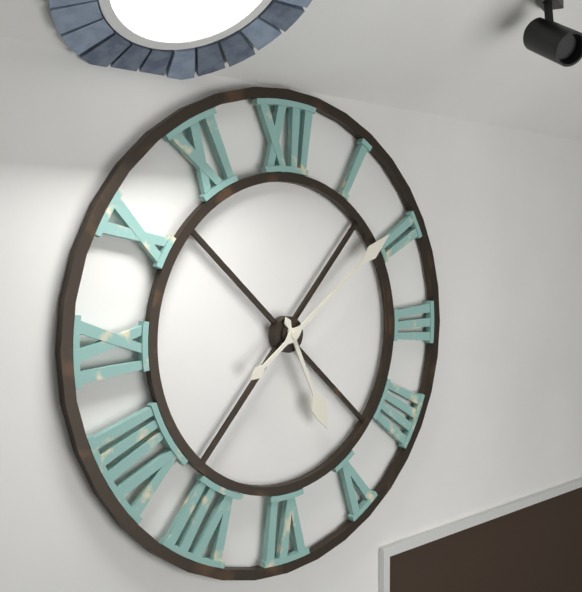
5:09
